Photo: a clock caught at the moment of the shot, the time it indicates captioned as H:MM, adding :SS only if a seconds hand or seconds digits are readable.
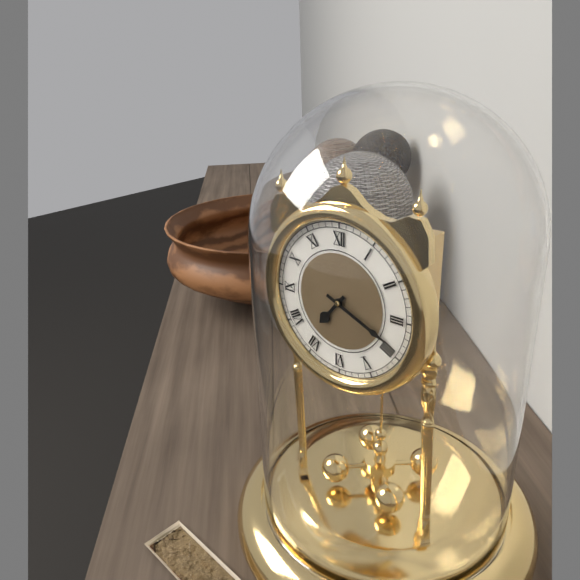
7:19
